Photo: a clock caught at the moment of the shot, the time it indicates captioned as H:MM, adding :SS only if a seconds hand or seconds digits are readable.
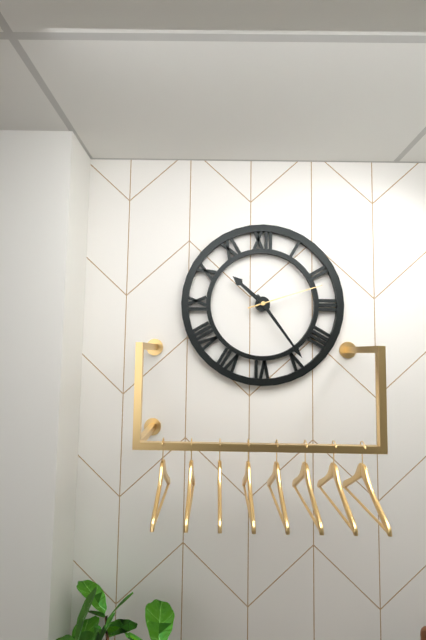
10:24:12
